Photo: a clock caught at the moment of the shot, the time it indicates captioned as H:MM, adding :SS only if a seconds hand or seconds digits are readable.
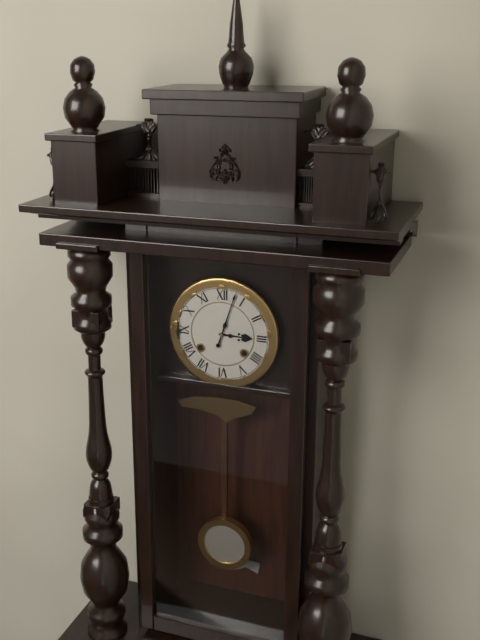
3:03
